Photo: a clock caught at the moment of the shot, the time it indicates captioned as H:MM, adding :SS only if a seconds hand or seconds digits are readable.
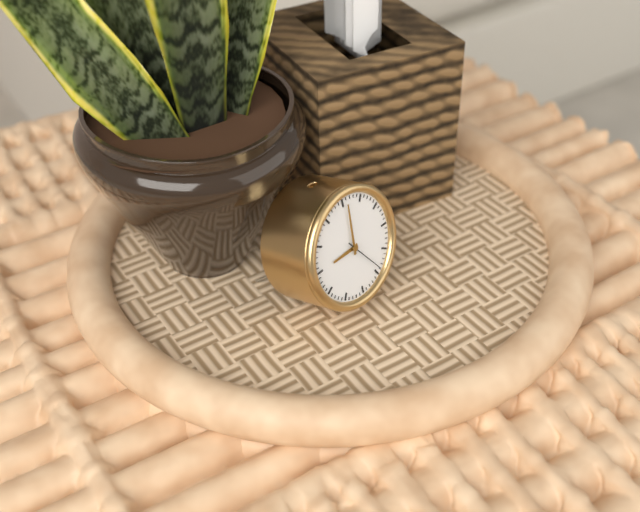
9:01
